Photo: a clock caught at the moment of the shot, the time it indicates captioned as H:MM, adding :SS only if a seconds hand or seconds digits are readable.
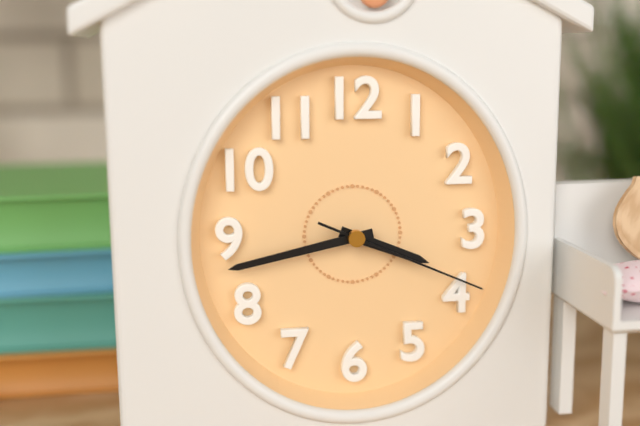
3:43:19
